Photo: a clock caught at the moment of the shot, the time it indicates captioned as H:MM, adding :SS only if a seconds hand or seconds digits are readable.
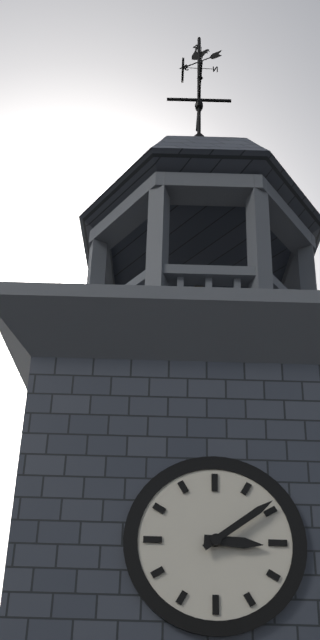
3:09
